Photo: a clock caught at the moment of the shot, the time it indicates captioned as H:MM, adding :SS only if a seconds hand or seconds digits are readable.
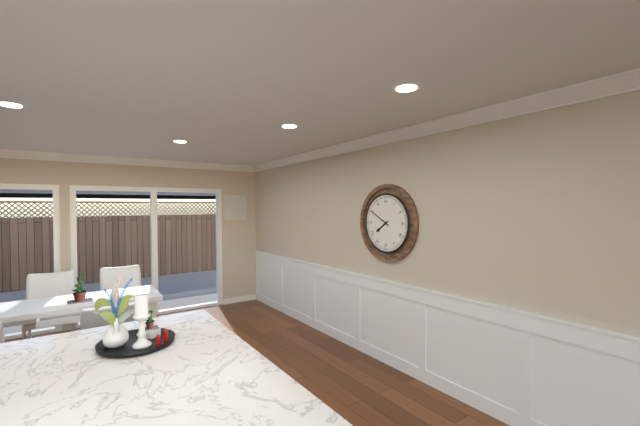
7:50
